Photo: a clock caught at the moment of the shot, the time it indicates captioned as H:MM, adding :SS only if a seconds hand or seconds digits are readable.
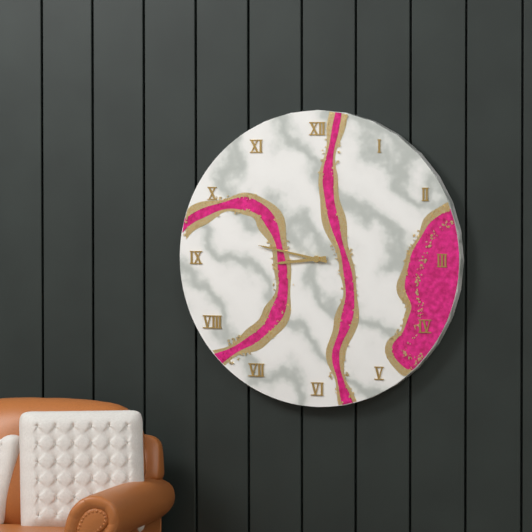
8:47
